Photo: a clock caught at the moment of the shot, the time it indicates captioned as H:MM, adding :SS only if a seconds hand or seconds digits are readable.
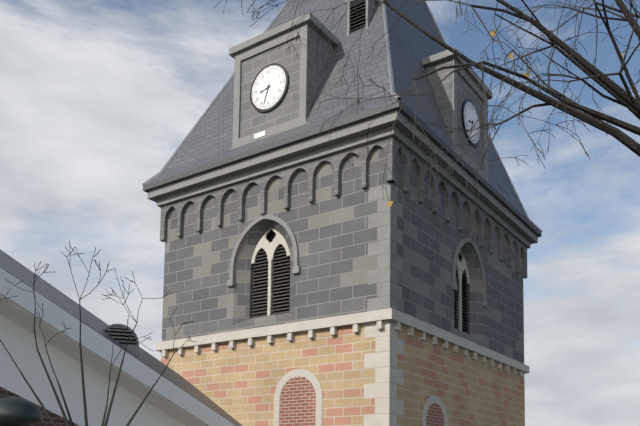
8:33
